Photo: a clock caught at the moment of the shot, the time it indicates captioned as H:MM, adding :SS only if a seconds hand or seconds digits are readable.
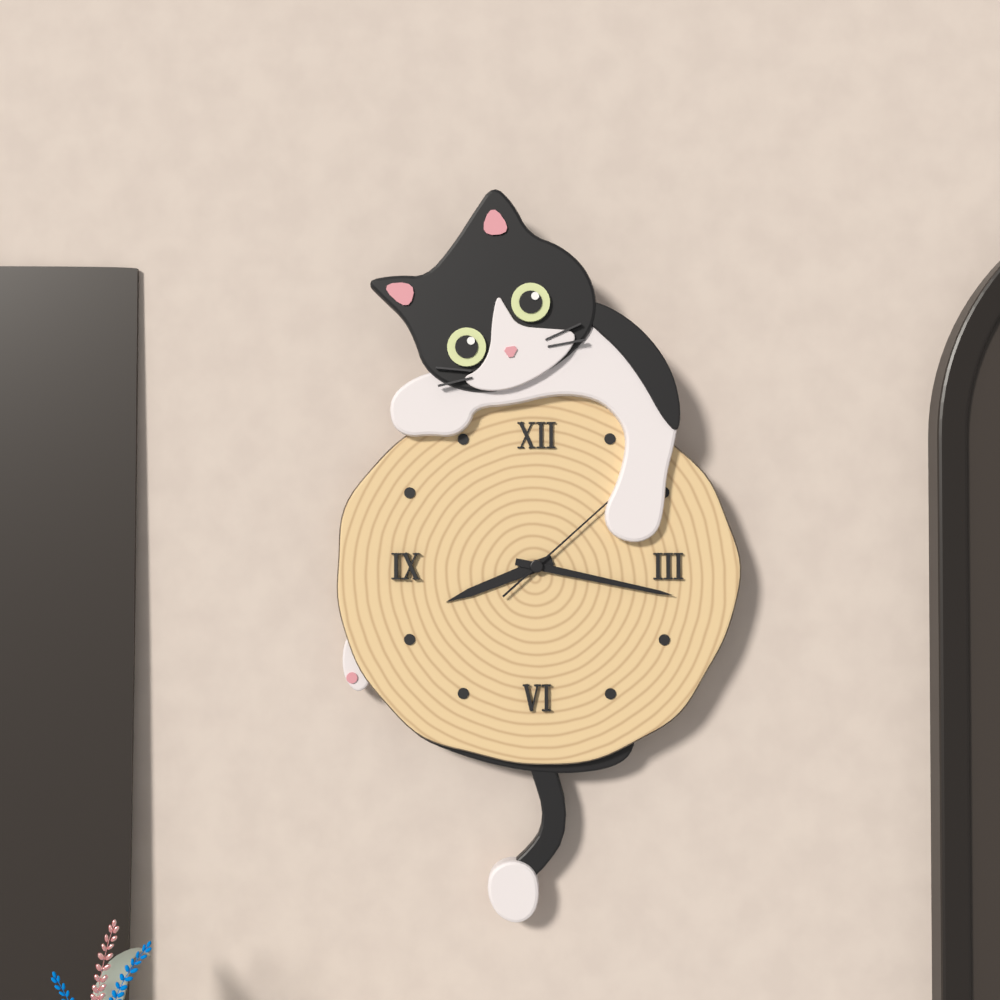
8:17
